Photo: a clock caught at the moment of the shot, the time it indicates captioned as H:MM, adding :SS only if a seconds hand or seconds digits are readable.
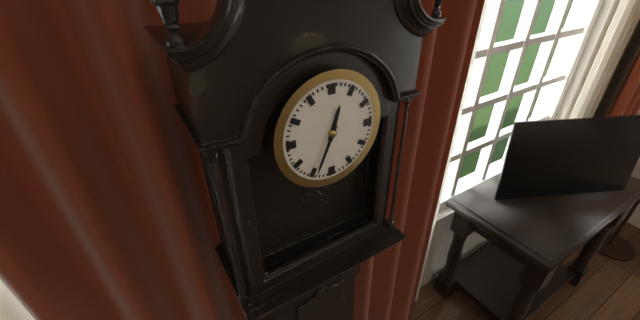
12:34
